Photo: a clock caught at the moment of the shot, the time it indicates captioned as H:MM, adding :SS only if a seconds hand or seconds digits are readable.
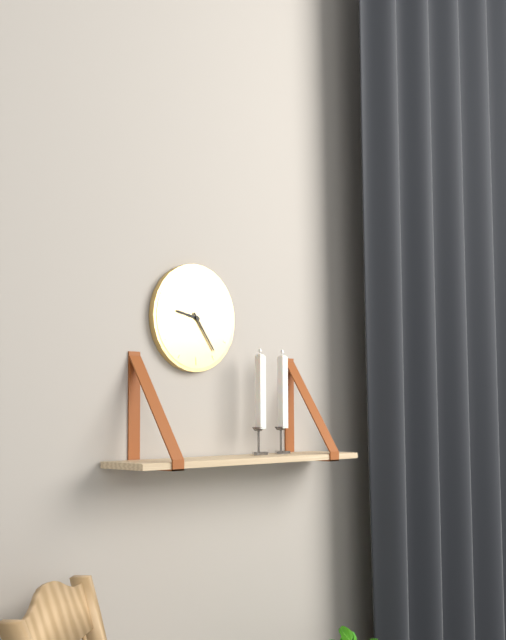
9:24
